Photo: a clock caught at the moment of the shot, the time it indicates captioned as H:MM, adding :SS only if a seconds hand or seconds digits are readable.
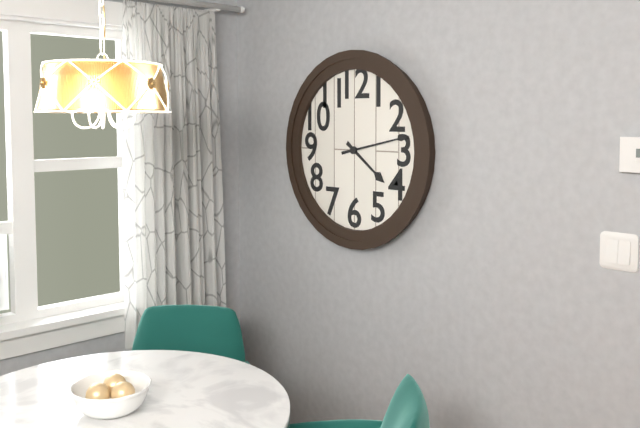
4:13
